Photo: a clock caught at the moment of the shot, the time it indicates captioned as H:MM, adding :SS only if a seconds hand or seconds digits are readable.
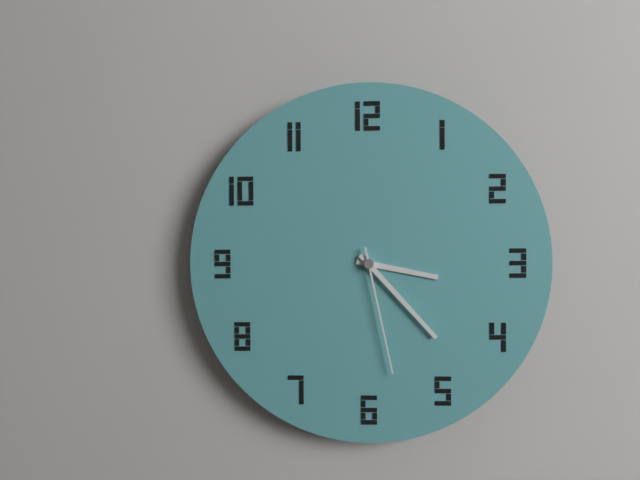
3:23:28
